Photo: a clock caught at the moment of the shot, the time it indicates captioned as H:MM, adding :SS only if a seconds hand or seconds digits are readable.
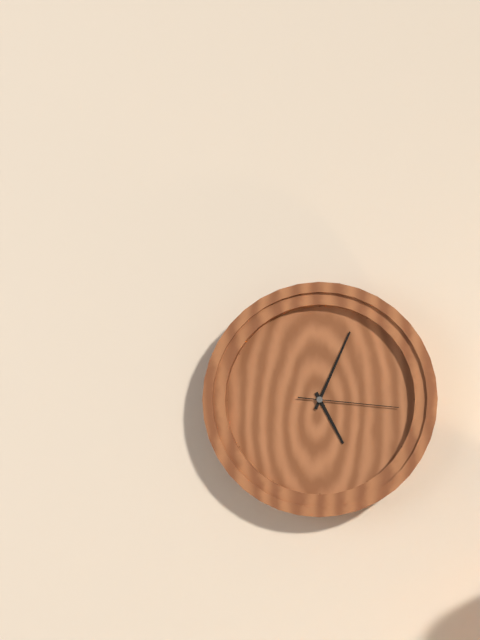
5:04:16
